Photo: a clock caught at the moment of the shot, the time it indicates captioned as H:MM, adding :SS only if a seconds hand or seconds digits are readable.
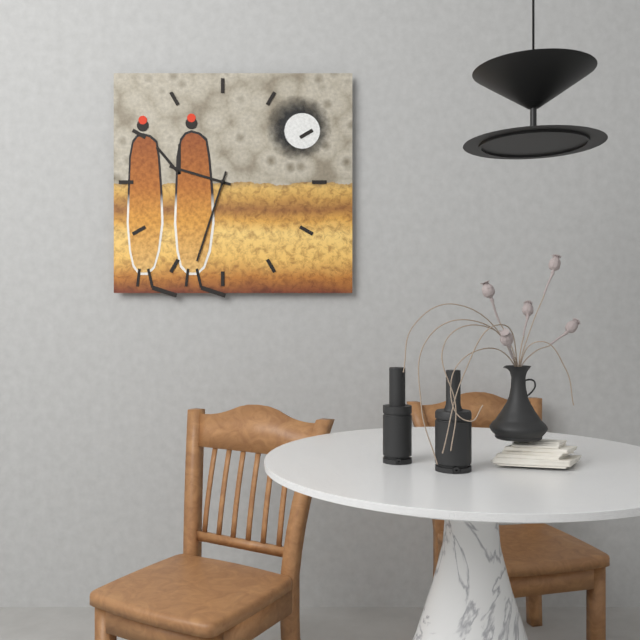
9:33
